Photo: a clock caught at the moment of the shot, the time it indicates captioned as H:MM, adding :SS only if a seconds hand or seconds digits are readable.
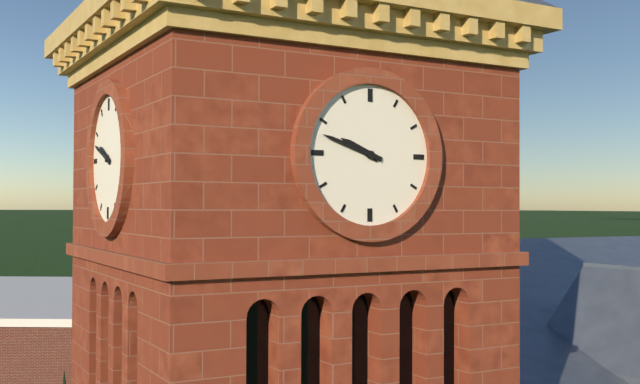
9:48
